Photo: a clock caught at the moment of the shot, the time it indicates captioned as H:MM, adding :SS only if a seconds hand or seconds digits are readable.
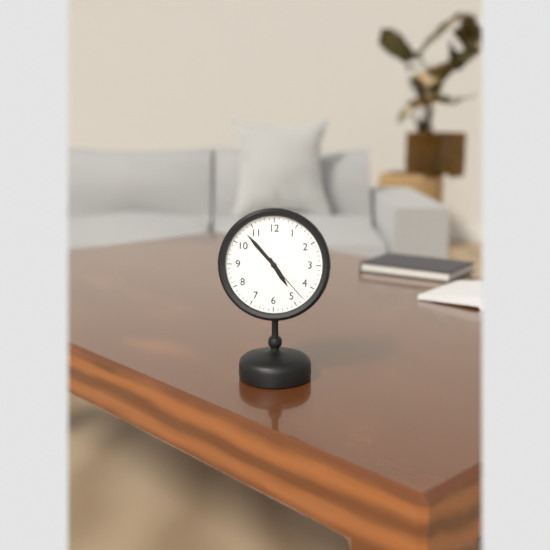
4:53:23
